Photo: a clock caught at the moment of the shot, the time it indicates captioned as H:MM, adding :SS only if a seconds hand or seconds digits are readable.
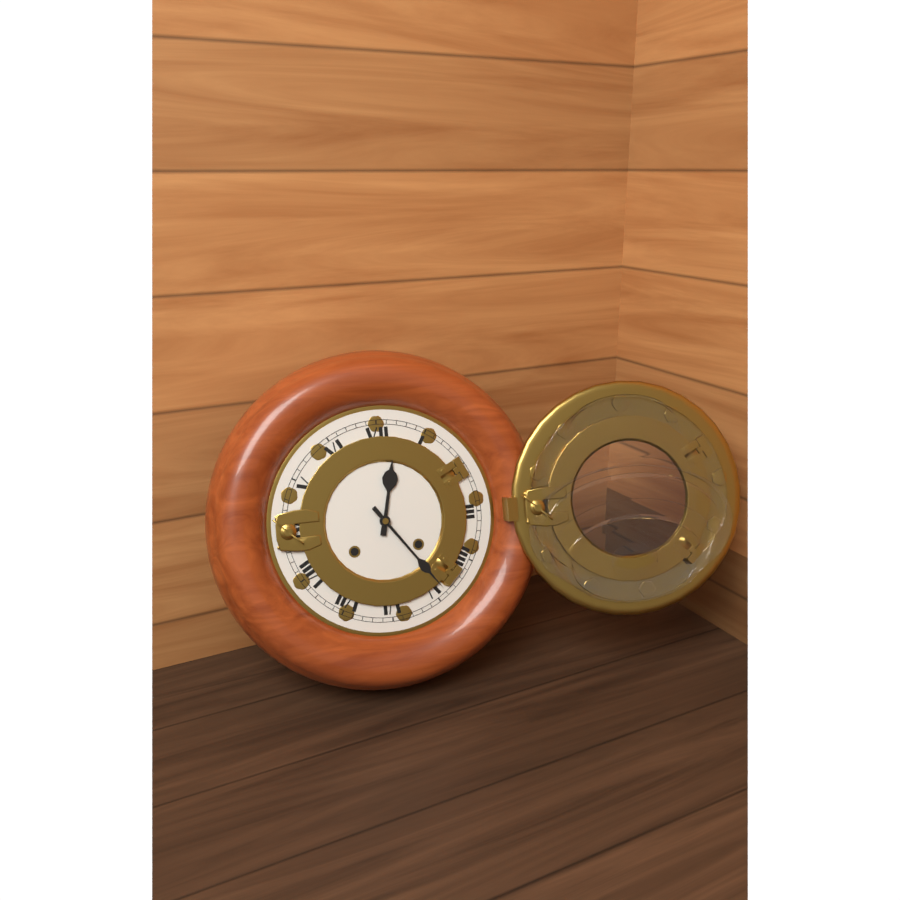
12:24
